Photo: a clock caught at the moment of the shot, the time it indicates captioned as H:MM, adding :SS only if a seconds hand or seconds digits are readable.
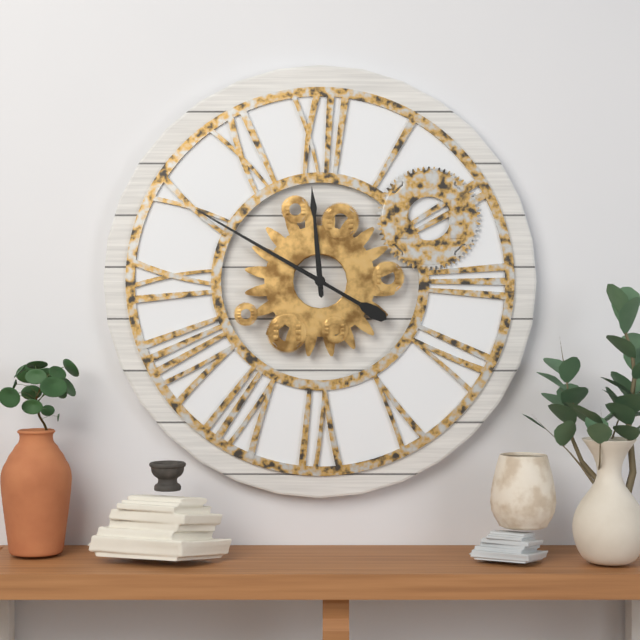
11:50
